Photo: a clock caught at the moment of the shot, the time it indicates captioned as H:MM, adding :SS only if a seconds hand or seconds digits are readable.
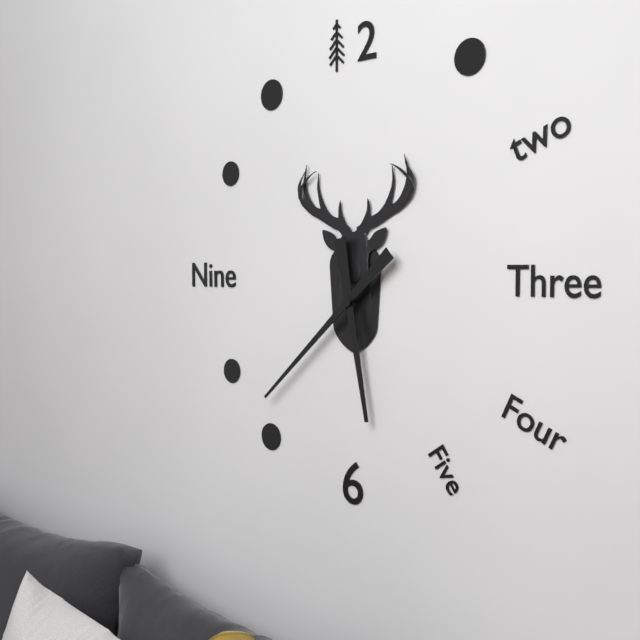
5:38
